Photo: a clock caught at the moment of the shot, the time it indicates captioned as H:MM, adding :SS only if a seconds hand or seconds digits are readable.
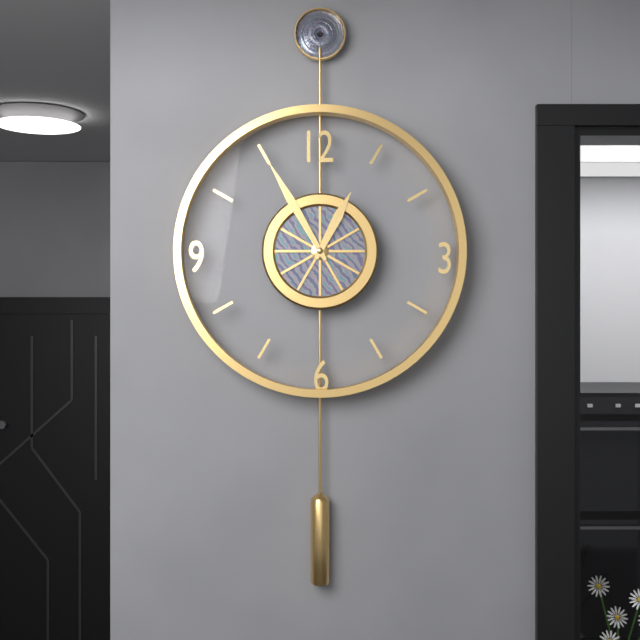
12:55
